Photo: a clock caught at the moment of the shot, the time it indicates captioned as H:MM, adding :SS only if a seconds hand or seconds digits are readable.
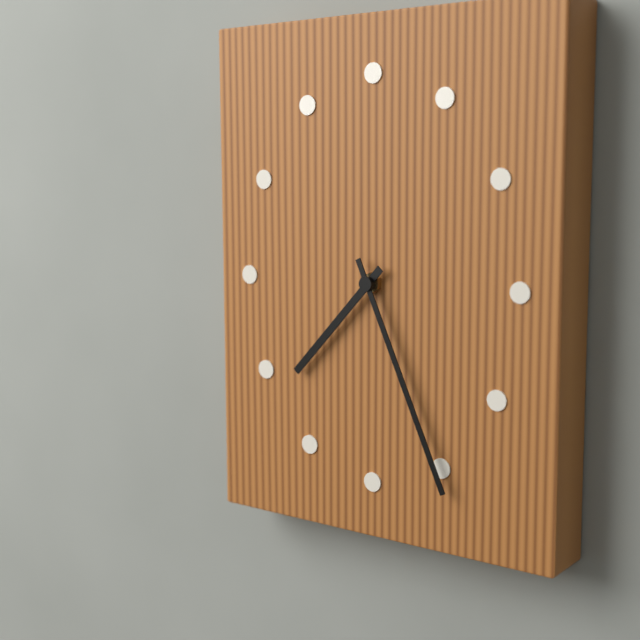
7:26
